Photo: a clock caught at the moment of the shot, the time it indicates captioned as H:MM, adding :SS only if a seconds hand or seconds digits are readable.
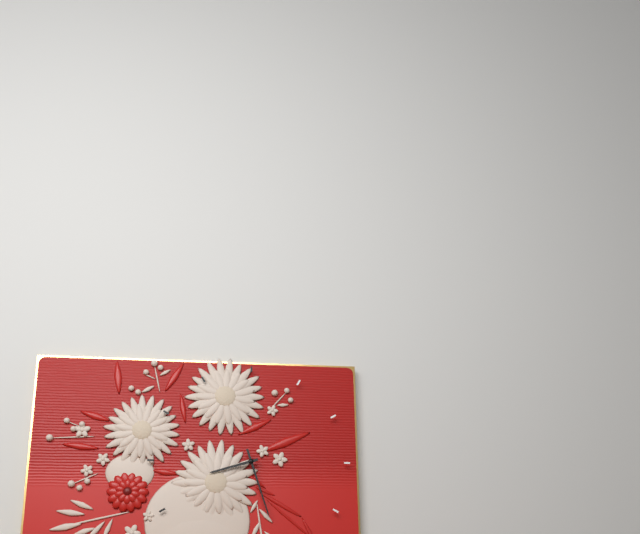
8:27
